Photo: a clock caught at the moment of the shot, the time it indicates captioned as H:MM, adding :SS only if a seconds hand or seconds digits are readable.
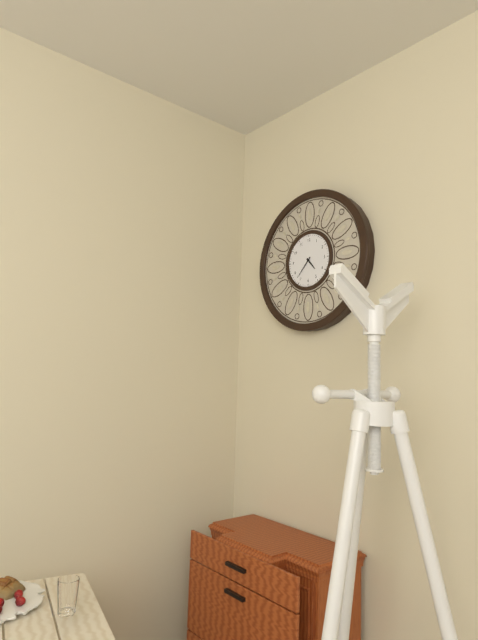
4:37
